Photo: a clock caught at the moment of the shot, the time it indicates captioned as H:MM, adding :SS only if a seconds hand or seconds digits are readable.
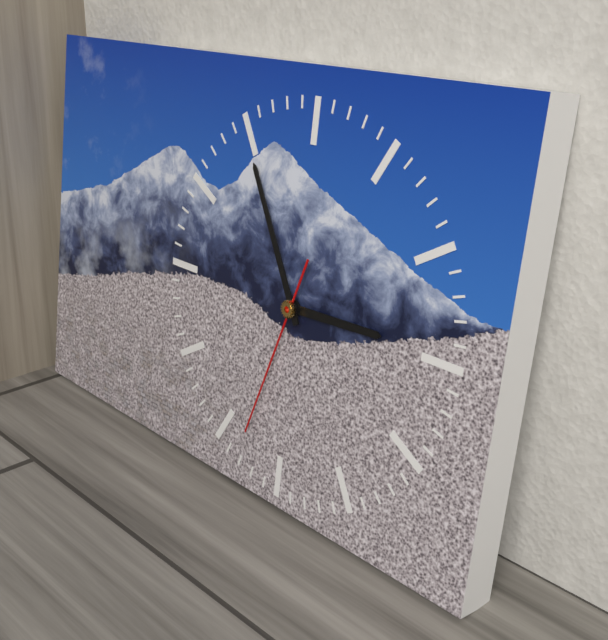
2:55:33
